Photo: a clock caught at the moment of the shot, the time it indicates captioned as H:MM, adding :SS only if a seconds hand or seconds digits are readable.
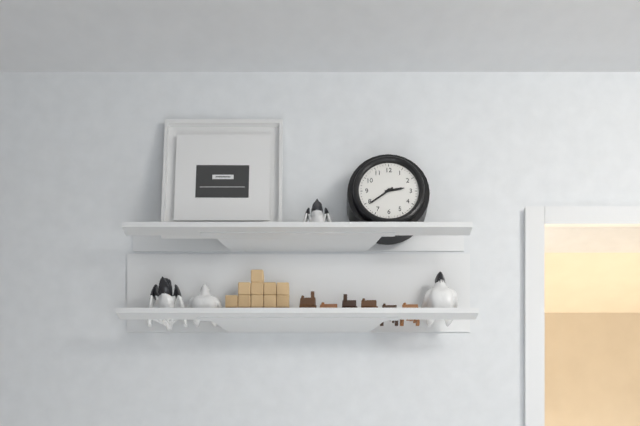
2:39
